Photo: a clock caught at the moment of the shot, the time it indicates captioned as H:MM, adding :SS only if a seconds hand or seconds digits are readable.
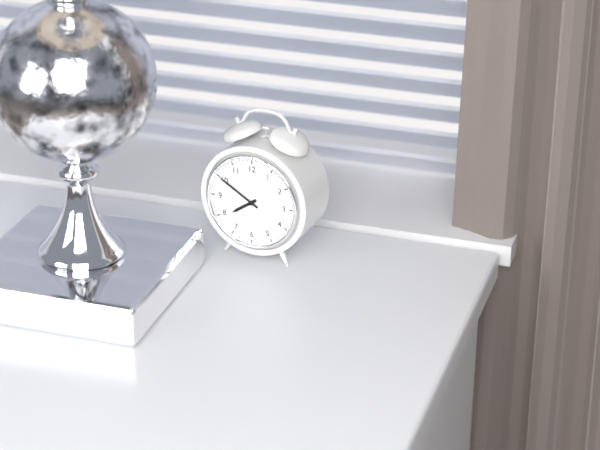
7:50
